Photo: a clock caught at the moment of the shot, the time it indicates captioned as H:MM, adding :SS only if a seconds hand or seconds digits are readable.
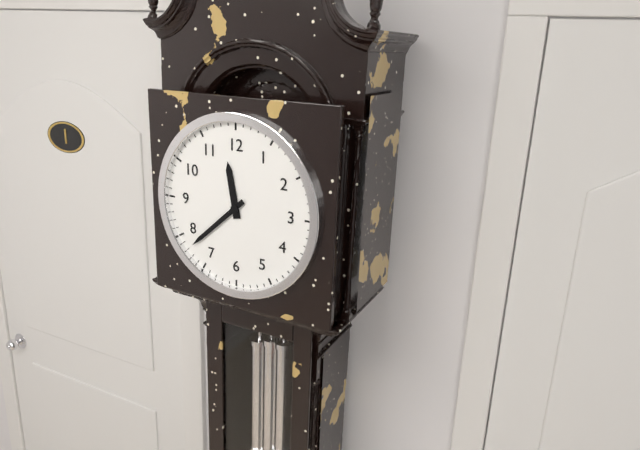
11:38
